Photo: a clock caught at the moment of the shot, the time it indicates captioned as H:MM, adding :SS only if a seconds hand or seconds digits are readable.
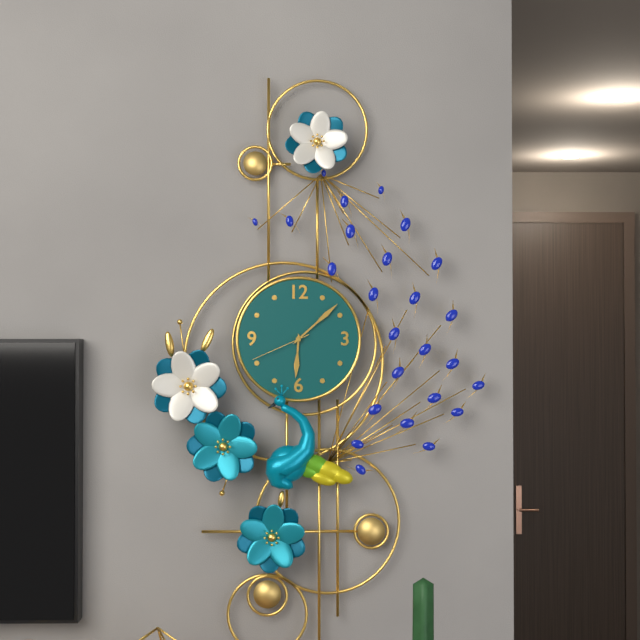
6:08:41
